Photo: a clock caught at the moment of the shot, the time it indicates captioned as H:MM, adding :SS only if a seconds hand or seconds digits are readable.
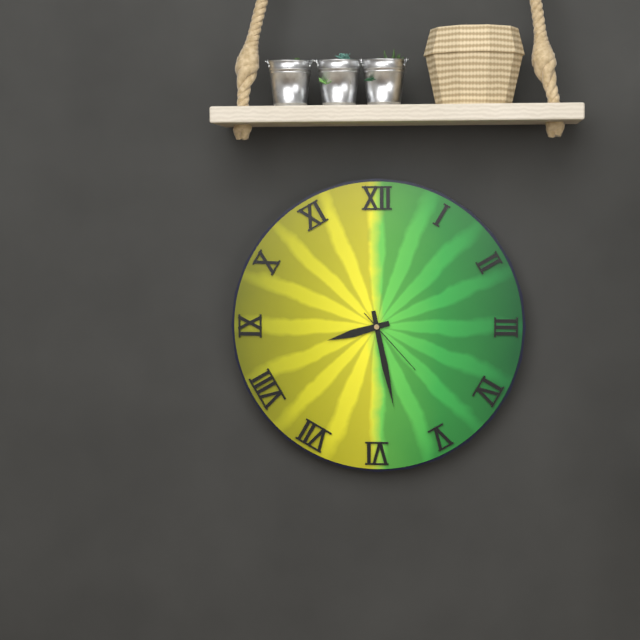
8:28:23
